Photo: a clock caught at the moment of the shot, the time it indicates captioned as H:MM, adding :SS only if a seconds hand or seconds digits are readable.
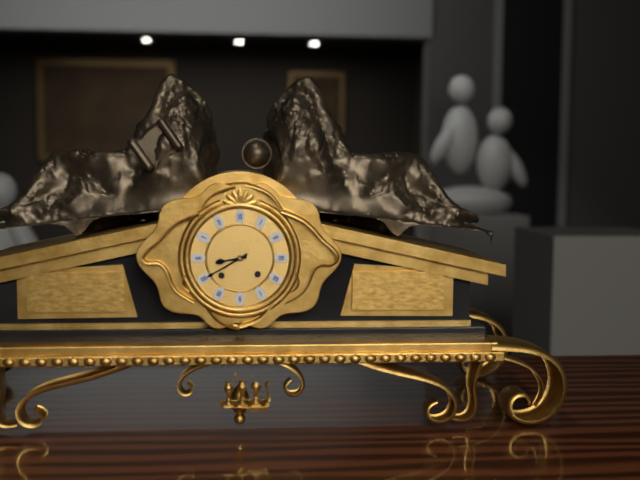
8:40
